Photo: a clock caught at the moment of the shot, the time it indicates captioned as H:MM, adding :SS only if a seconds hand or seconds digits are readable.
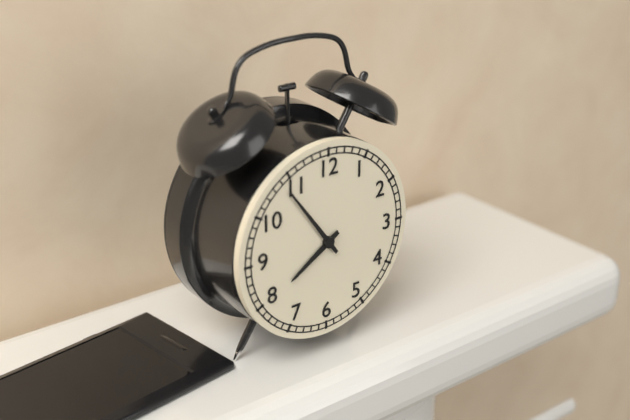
7:54
